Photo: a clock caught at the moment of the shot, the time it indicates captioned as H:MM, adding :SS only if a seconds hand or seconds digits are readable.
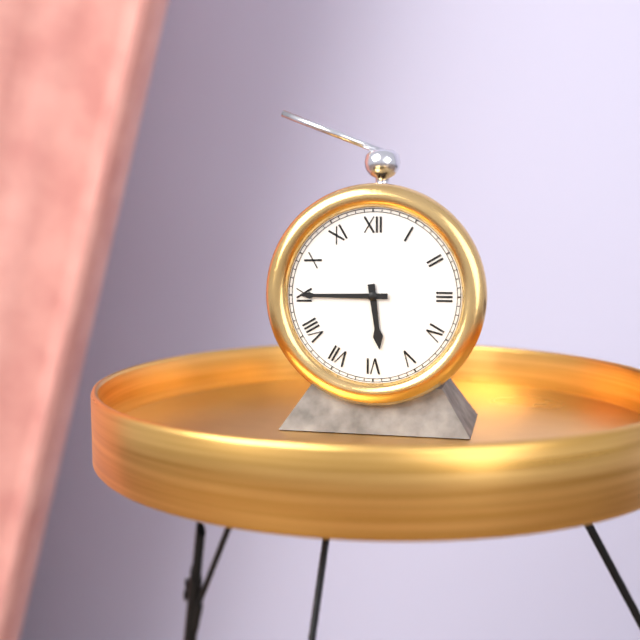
5:45
